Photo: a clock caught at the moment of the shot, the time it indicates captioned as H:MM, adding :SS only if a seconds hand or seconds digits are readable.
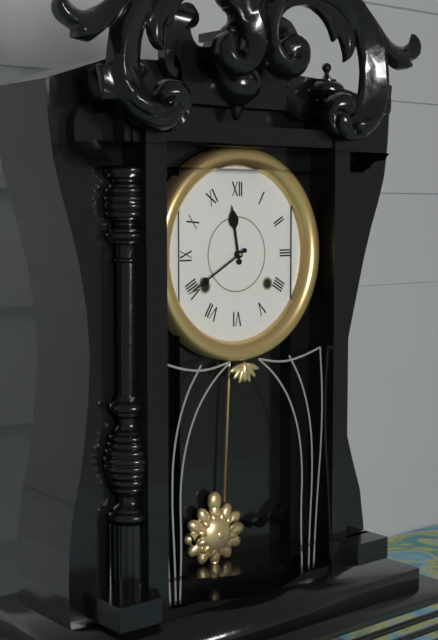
11:40
